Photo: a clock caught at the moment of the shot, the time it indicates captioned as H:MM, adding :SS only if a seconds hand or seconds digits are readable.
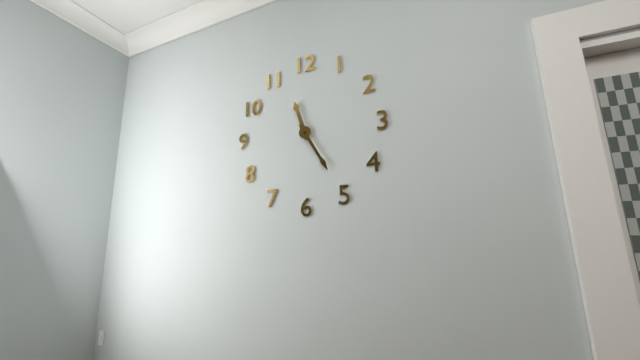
11:25
